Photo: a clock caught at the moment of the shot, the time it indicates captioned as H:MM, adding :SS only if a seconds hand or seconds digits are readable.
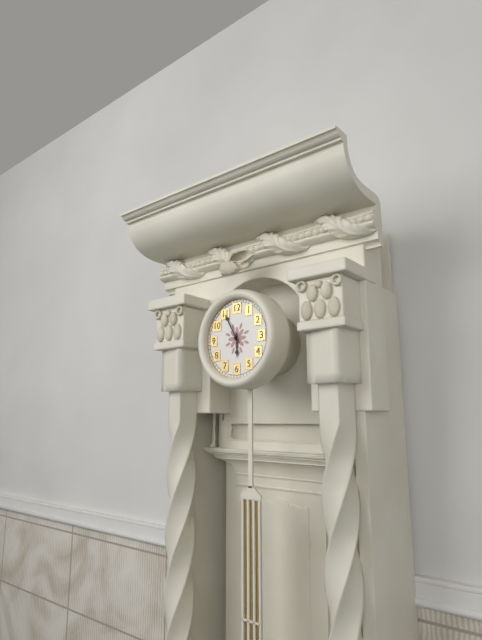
5:55
